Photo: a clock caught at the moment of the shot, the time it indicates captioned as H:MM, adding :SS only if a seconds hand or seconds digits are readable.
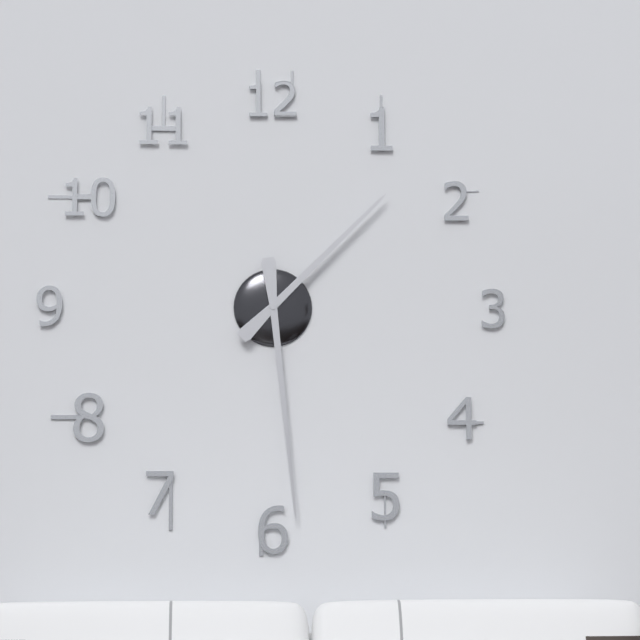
1:29
